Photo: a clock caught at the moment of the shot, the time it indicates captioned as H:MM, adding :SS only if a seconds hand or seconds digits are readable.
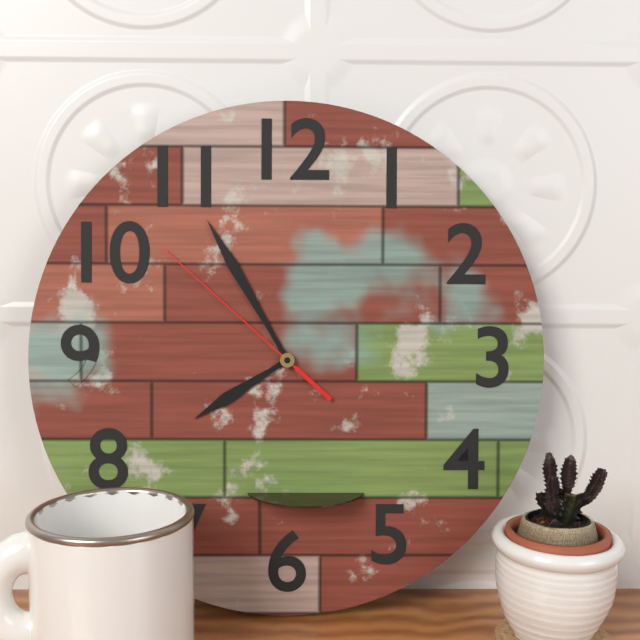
7:55:52
